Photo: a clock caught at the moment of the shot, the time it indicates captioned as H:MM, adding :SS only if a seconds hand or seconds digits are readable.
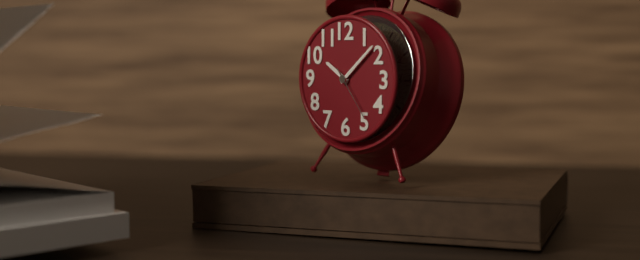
10:08:24
